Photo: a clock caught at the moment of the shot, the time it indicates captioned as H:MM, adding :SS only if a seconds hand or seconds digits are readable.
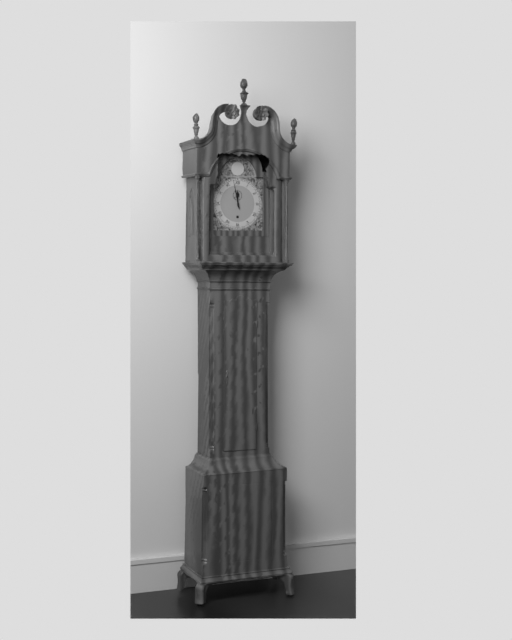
11:58
